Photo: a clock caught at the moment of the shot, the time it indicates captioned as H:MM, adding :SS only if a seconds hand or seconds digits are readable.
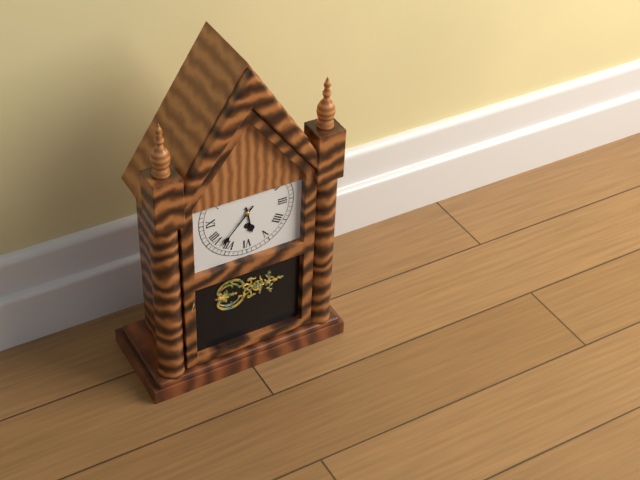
5:37
